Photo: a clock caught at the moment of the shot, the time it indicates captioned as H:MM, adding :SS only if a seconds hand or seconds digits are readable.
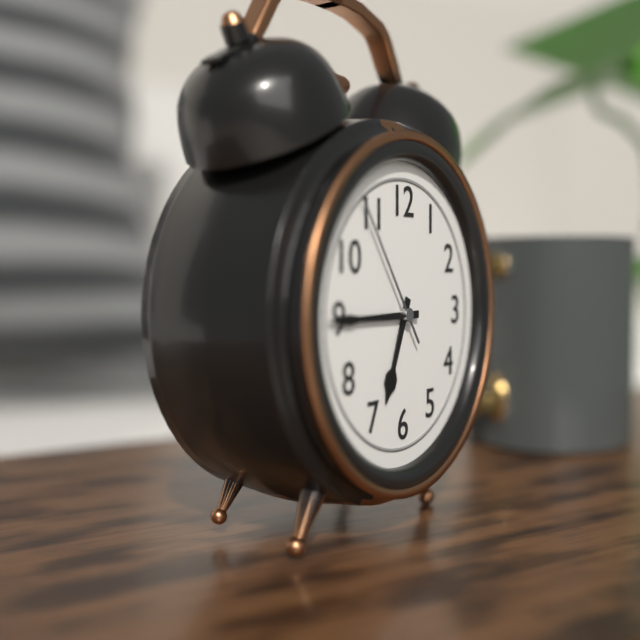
6:45:54
